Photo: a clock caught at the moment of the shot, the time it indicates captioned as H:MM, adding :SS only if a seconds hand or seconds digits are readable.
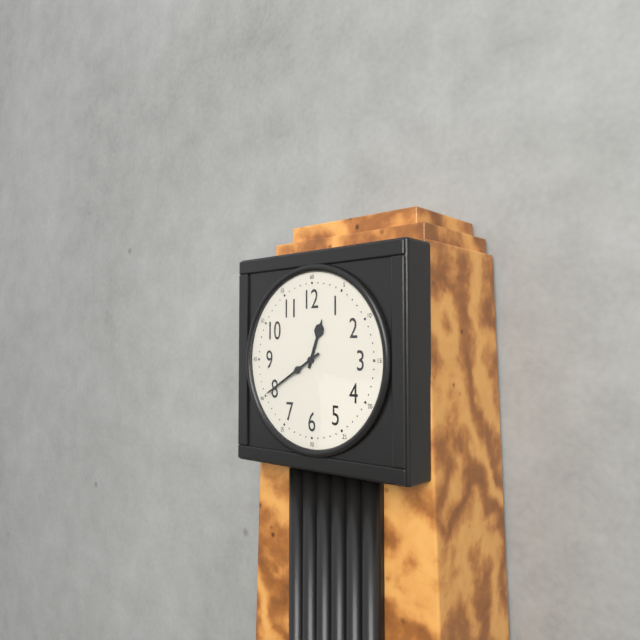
12:40
